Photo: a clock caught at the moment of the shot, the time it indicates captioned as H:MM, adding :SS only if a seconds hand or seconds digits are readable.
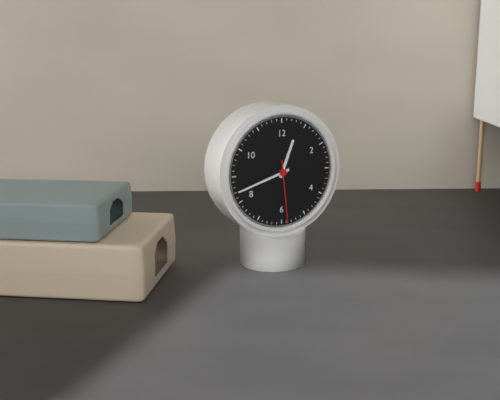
12:42:29
